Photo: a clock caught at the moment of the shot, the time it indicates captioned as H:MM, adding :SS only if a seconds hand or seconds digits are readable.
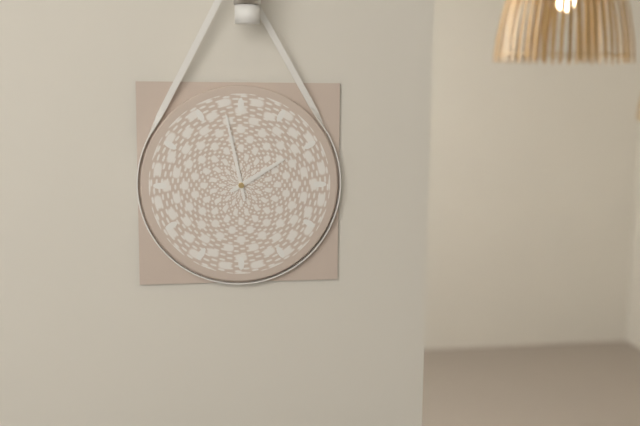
1:58
